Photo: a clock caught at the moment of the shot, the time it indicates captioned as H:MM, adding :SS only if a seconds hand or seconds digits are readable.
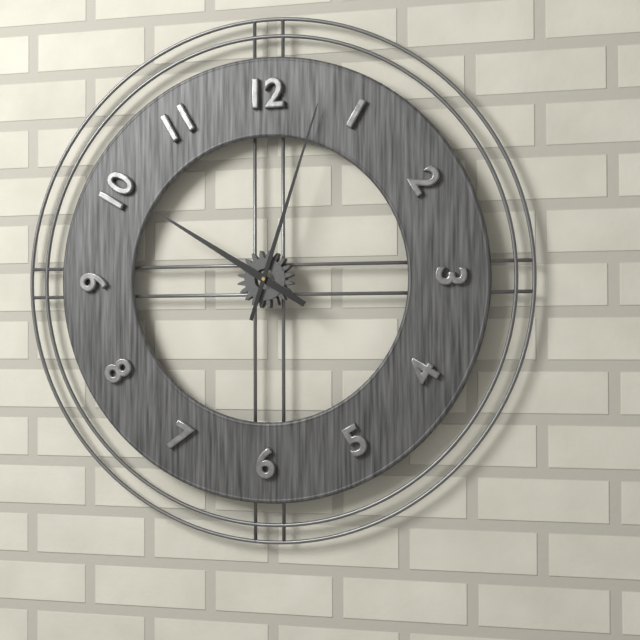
10:03
